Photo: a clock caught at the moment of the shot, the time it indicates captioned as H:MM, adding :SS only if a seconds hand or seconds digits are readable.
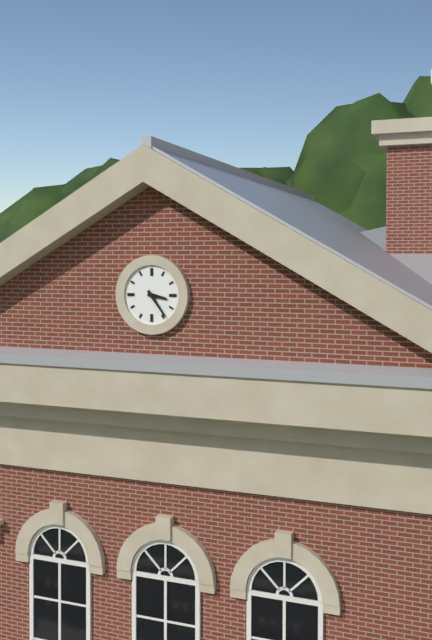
3:24
